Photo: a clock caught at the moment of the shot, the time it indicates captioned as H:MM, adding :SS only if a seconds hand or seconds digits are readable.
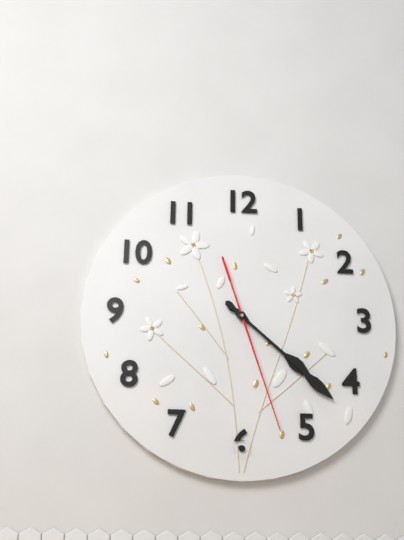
4:22:27
